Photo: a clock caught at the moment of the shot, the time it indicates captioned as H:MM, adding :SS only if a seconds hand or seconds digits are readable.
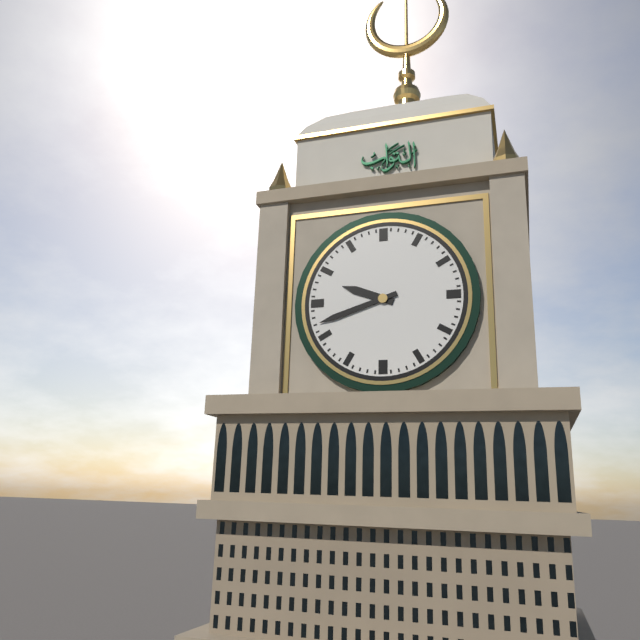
9:42
